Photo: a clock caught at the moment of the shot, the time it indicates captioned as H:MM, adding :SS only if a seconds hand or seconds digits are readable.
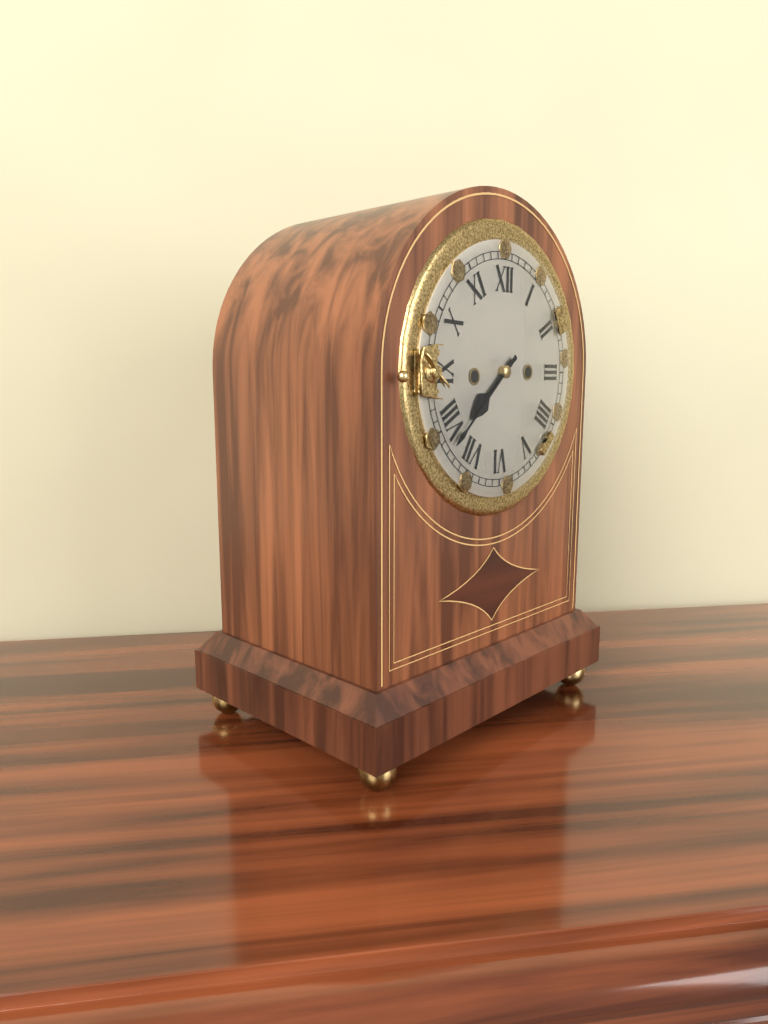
7:38
